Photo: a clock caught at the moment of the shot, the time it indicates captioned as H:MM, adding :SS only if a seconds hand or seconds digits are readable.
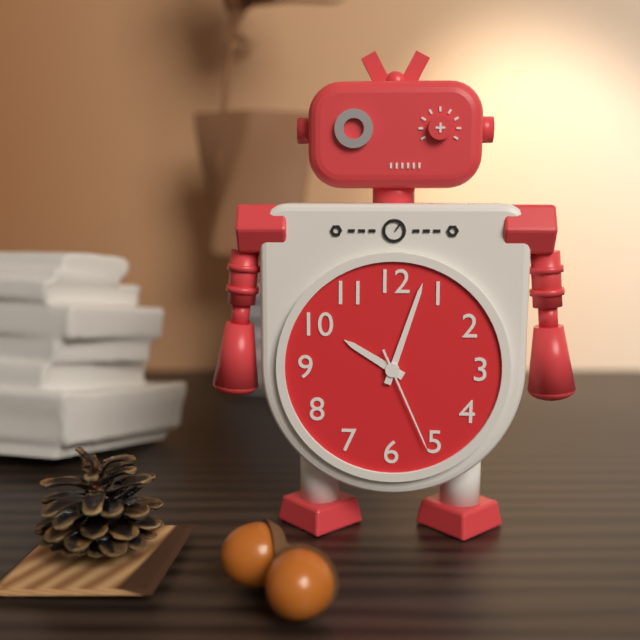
10:03:26
